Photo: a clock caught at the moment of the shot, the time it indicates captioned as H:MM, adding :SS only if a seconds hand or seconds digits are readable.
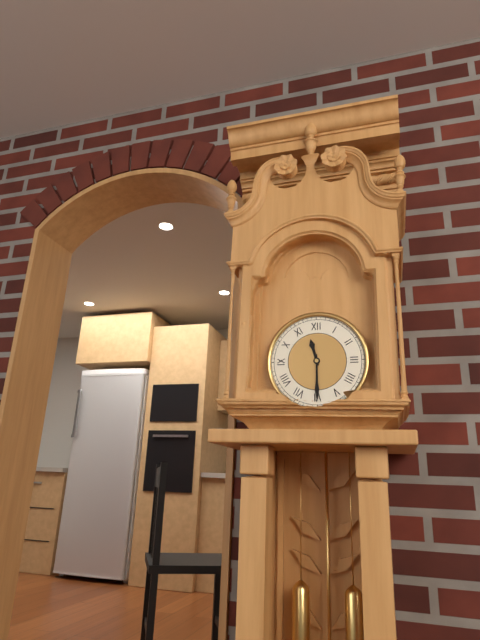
11:30
